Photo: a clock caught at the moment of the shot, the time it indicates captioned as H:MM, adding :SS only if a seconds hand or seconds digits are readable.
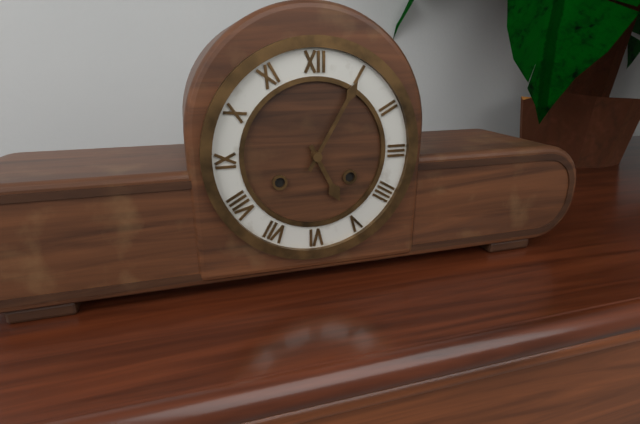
5:05
